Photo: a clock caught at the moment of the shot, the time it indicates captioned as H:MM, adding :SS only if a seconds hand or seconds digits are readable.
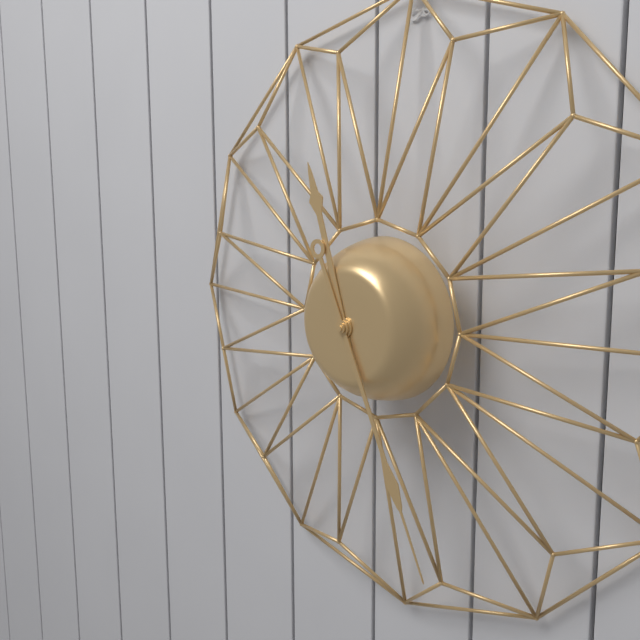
11:26
